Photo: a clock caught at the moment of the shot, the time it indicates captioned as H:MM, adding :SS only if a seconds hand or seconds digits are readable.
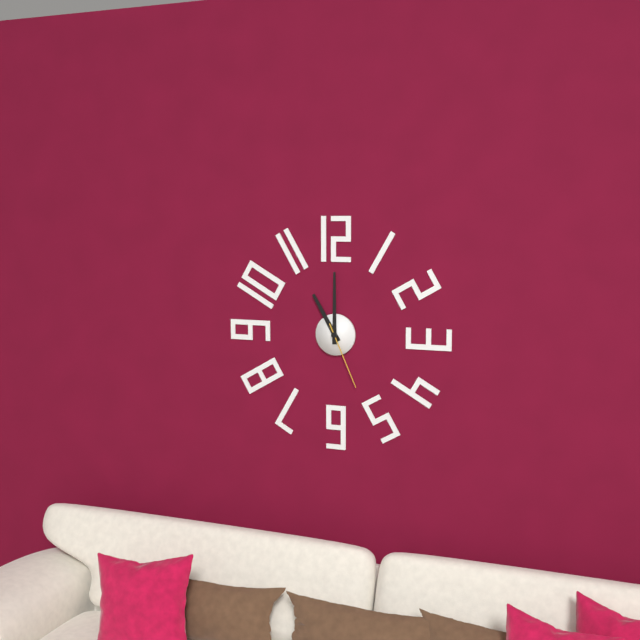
11:00:26
